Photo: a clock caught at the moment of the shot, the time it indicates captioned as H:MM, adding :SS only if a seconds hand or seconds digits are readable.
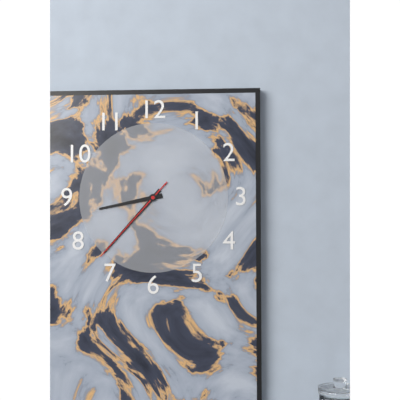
8:37:37
